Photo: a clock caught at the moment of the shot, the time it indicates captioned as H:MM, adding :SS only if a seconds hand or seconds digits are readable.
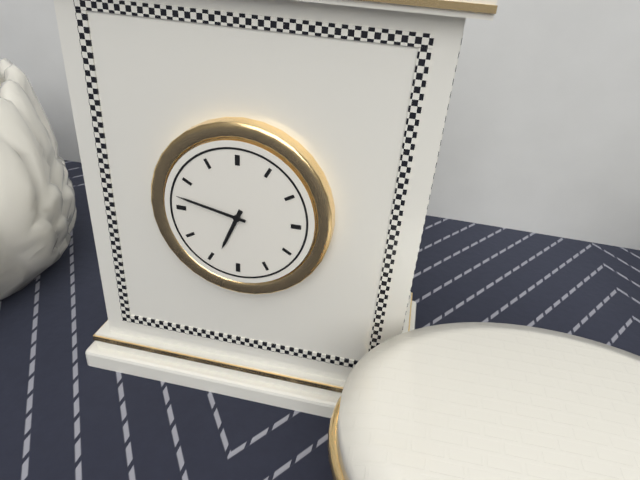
6:47
